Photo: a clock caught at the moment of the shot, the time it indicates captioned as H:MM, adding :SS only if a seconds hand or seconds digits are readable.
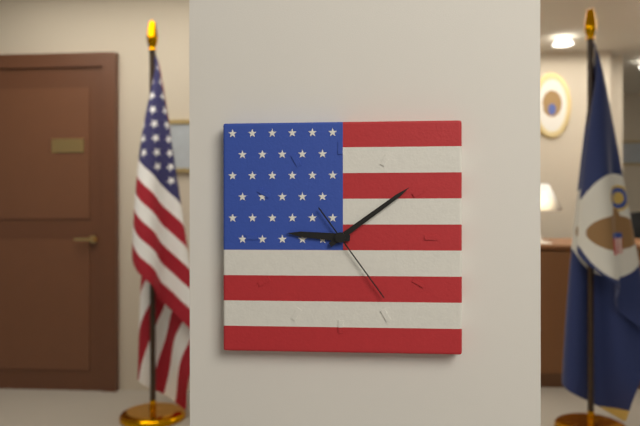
9:09:24
